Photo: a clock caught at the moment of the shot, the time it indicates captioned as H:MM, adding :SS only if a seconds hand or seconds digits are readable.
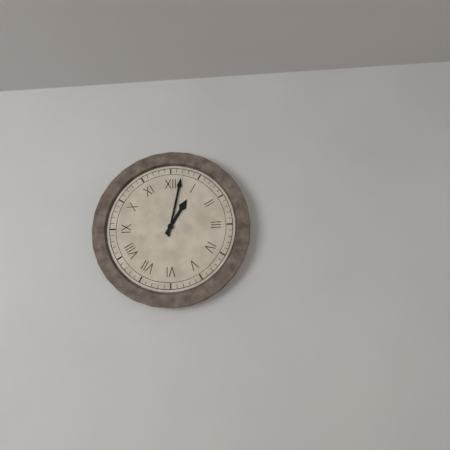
1:02
